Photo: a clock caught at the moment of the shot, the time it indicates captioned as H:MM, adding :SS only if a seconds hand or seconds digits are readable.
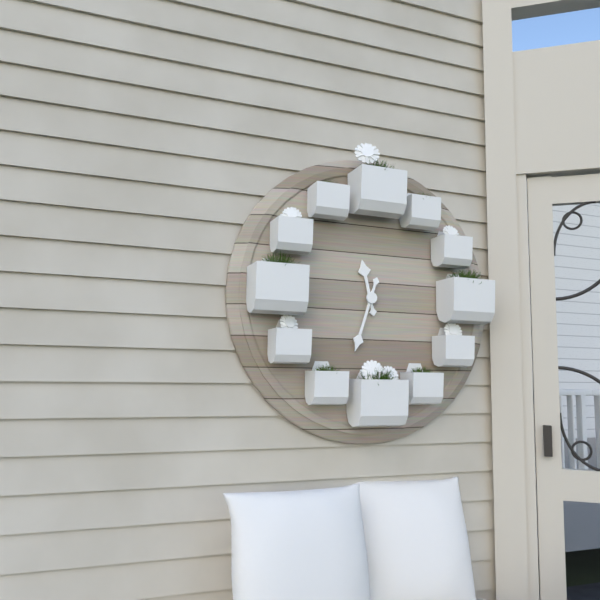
11:33
